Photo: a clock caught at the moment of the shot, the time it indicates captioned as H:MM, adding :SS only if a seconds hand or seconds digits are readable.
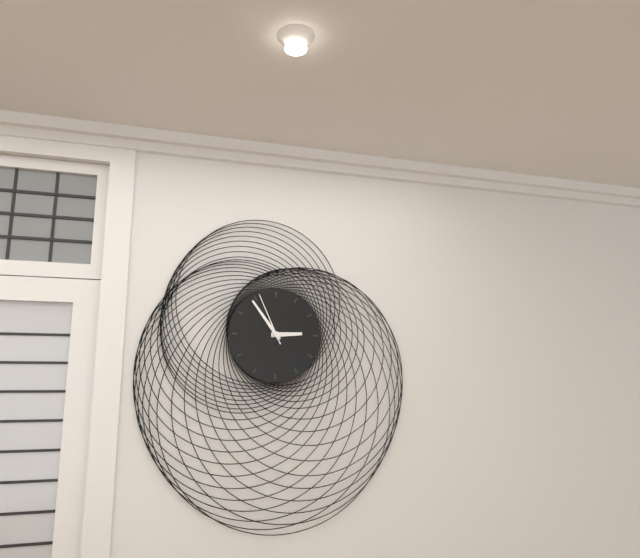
2:54:56
